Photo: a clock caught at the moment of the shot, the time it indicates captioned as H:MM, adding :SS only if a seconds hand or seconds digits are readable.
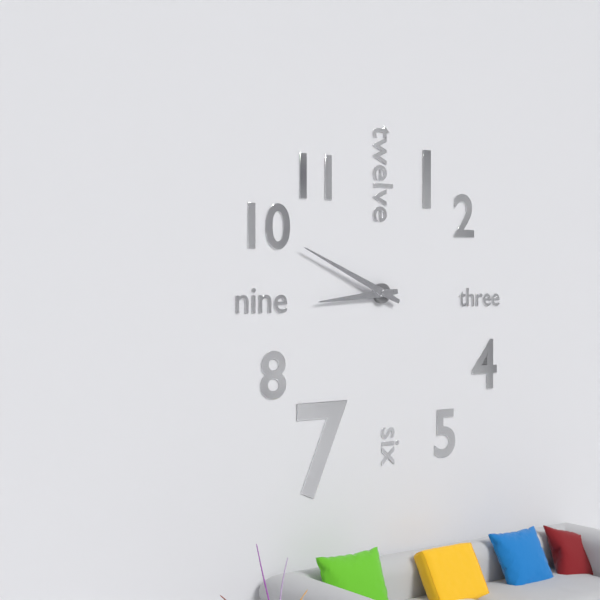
8:49
